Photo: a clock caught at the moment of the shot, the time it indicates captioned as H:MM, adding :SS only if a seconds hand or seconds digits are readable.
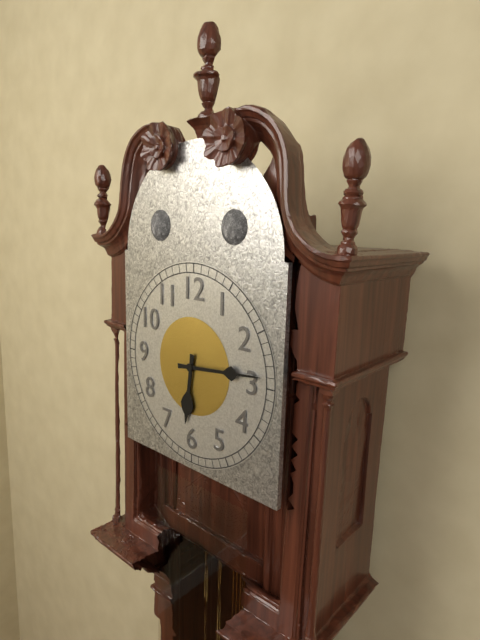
6:14
